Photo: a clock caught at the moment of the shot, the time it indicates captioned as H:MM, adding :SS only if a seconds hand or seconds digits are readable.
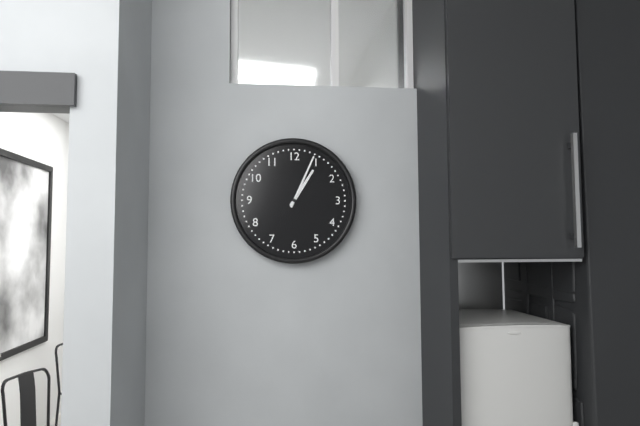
1:04
